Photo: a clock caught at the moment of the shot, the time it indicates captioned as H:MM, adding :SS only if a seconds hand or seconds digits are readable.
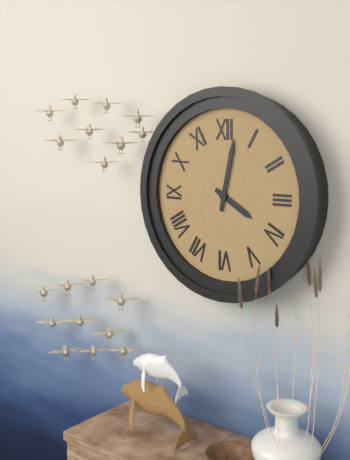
4:02
